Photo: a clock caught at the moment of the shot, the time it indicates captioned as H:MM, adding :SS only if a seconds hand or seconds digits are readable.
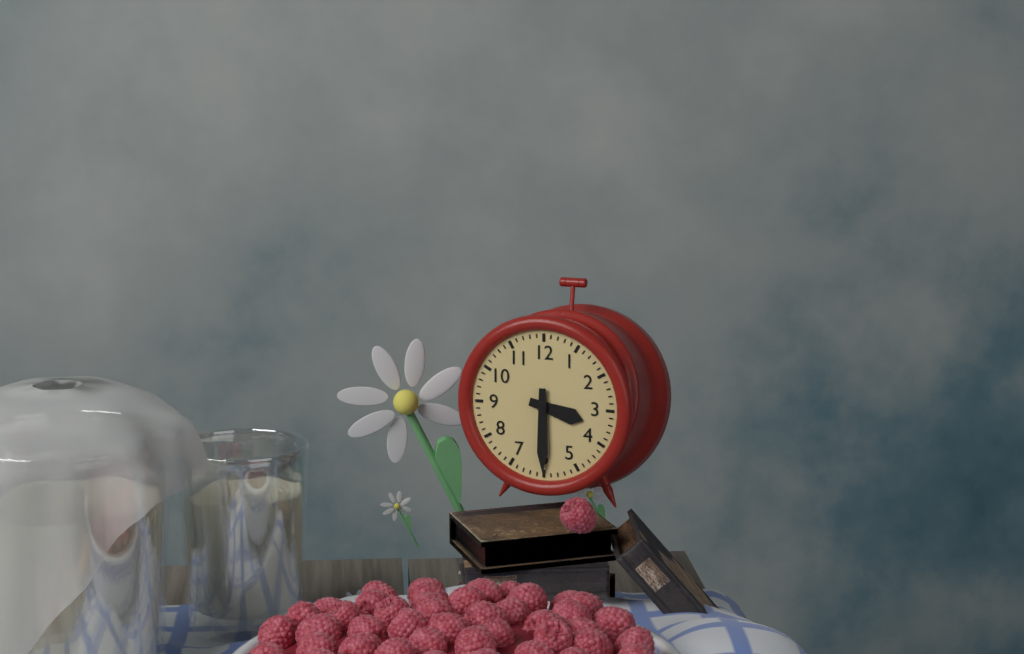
3:30
